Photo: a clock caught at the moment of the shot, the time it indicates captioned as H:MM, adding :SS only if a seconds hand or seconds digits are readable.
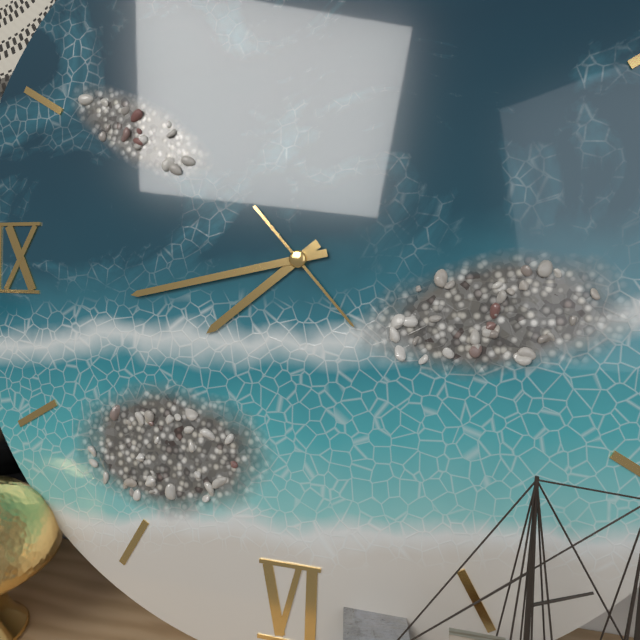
7:43:23
